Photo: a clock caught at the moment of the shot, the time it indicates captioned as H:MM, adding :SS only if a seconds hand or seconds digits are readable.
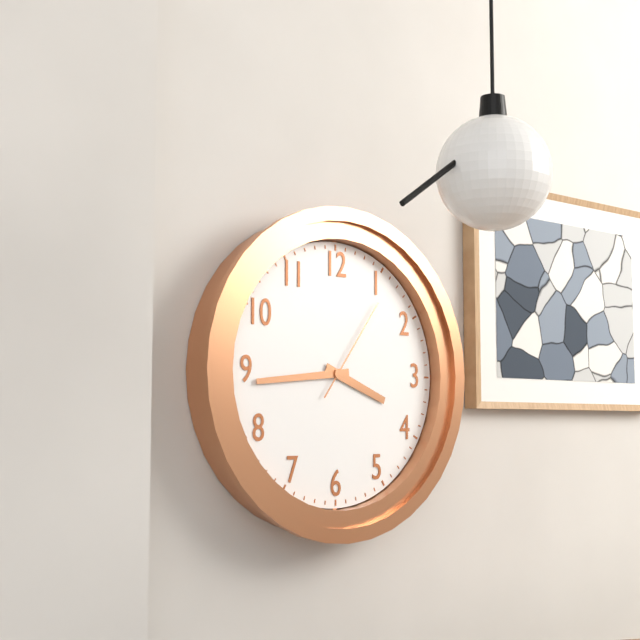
3:44:06
